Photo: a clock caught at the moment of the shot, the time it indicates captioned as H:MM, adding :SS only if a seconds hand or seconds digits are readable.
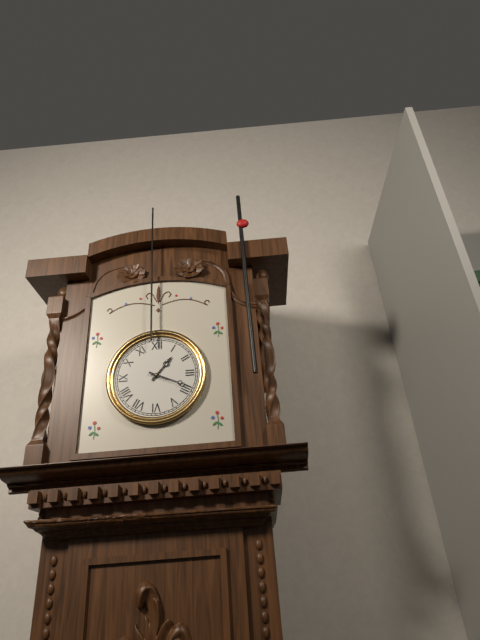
1:19
